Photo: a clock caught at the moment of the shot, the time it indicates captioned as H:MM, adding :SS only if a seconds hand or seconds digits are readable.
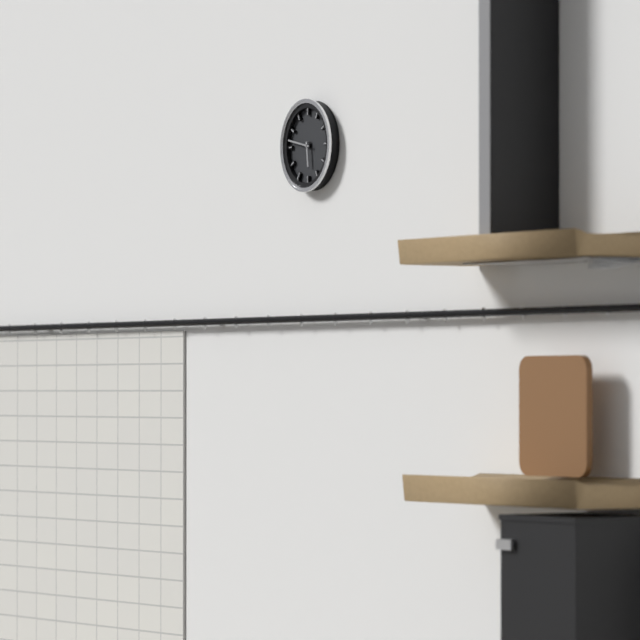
5:47
